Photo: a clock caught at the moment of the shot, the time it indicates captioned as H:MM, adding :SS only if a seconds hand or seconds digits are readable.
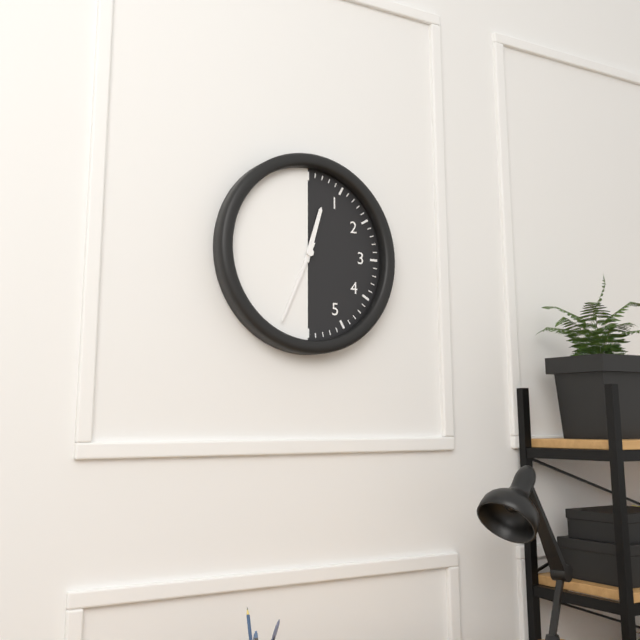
12:34
